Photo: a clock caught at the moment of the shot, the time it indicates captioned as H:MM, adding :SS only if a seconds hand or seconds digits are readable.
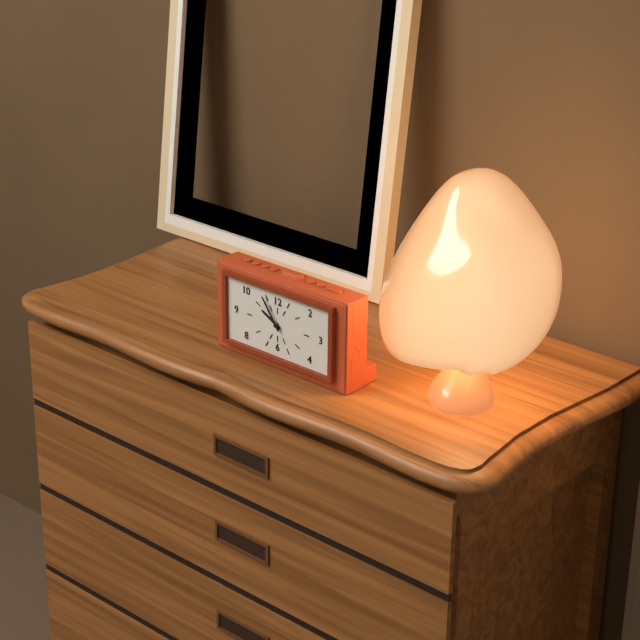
9:54
